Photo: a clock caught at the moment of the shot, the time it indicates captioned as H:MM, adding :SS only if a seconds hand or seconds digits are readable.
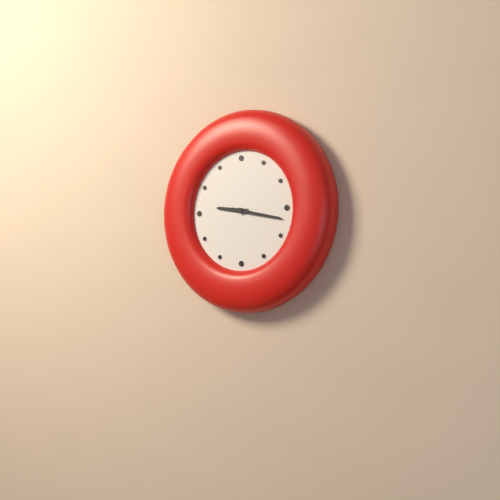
9:17
